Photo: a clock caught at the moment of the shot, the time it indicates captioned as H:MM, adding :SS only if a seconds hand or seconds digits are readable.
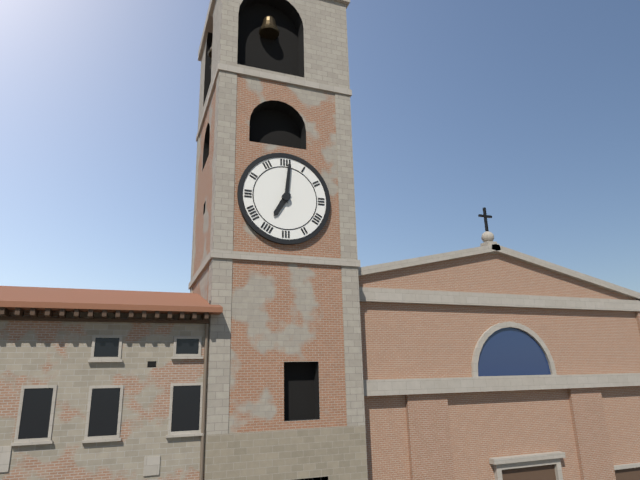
7:01
